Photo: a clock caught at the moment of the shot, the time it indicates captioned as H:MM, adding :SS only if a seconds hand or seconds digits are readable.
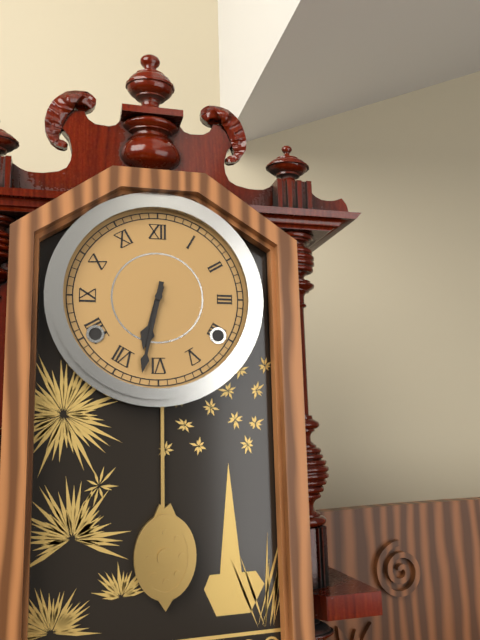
6:32
